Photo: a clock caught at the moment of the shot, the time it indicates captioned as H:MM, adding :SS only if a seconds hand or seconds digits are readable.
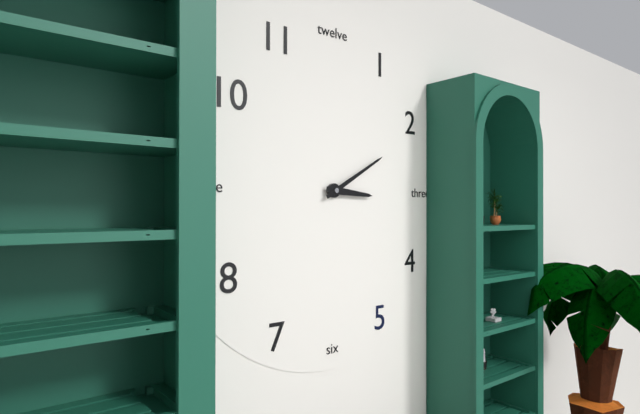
3:10
